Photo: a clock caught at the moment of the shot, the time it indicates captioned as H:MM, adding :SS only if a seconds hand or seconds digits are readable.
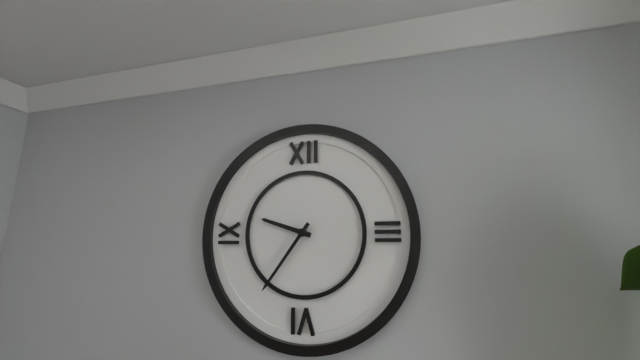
9:36
